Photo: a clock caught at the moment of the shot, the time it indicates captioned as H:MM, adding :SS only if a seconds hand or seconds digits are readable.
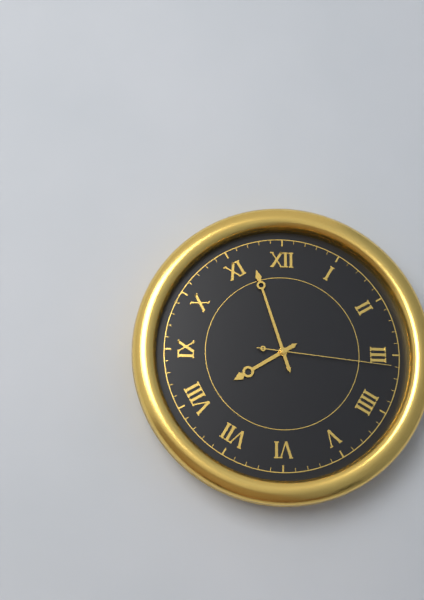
7:57:16
